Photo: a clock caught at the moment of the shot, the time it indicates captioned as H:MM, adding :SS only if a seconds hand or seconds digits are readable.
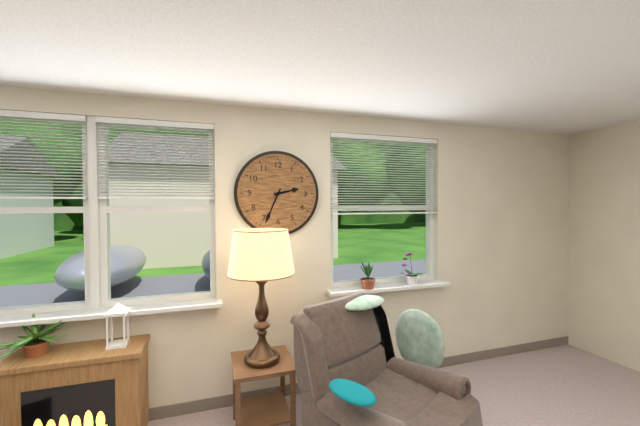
2:34
